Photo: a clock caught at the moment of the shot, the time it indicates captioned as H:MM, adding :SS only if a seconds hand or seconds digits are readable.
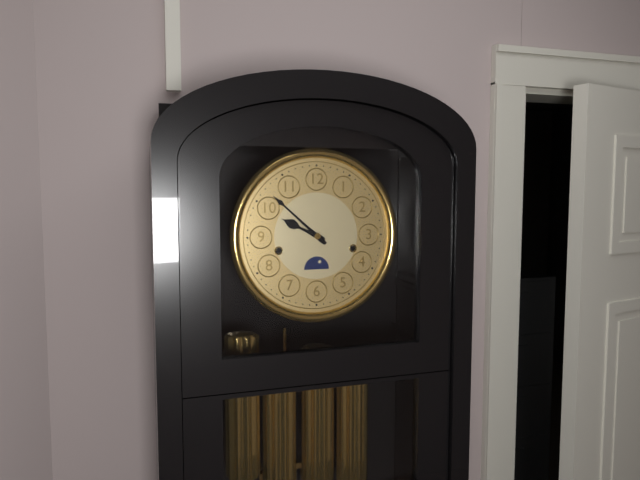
9:52
